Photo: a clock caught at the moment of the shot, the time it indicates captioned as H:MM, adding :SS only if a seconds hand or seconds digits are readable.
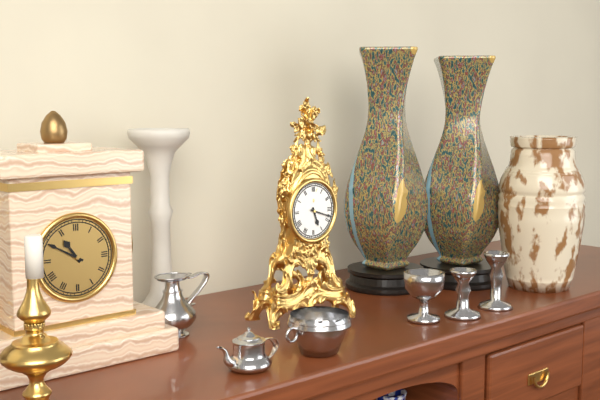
5:18
